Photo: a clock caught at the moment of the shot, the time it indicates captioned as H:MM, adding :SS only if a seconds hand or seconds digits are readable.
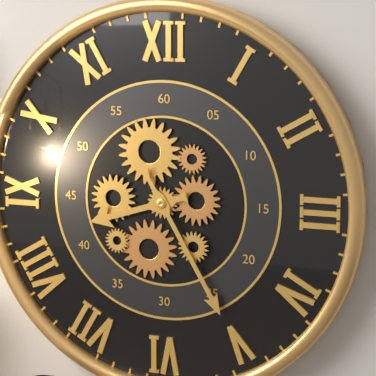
8:25
